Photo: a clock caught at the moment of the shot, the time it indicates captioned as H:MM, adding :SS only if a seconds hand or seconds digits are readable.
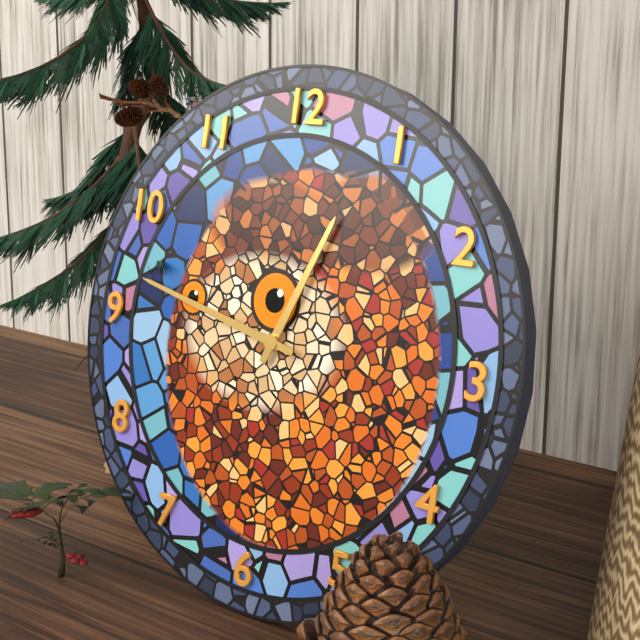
12:47
